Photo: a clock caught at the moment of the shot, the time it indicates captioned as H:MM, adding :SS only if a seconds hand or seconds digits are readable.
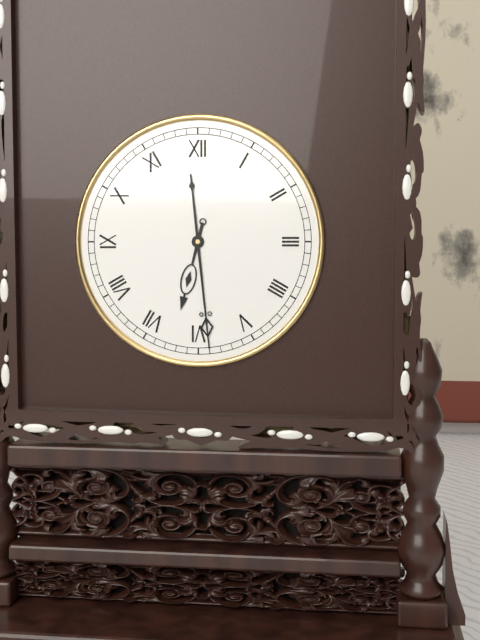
6:29
